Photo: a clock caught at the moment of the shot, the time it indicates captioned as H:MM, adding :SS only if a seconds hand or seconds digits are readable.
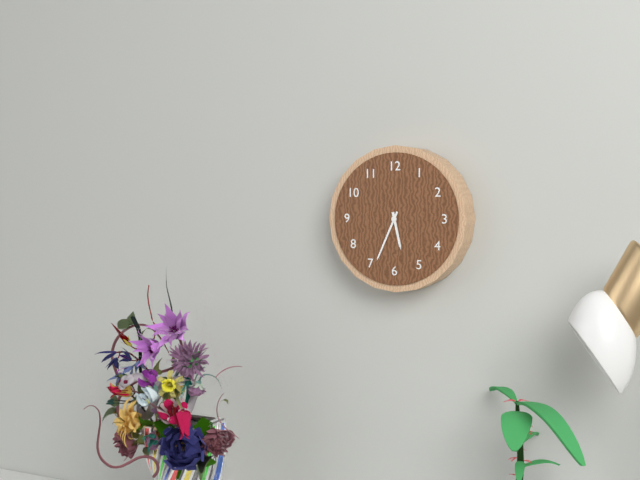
5:34
